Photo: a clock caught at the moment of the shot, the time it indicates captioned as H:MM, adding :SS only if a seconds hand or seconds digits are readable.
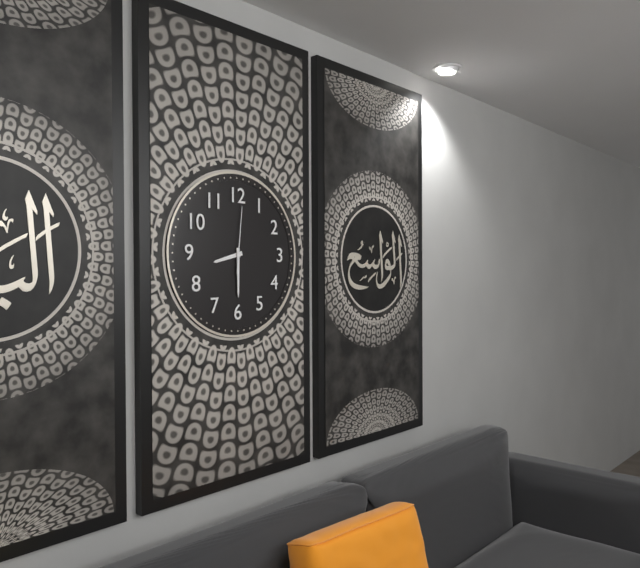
8:30:01
